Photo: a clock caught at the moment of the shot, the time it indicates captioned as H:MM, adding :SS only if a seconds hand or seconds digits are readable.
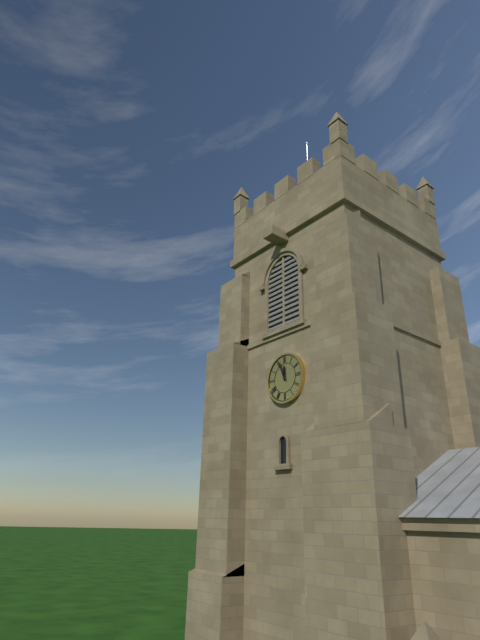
11:56
